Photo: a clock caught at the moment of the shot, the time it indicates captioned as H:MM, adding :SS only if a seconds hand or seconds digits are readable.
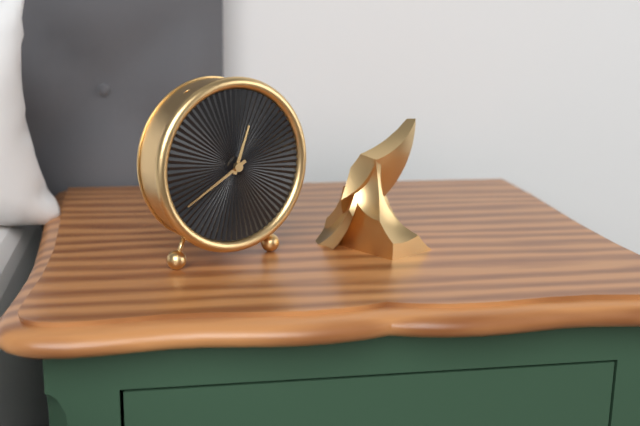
12:40
